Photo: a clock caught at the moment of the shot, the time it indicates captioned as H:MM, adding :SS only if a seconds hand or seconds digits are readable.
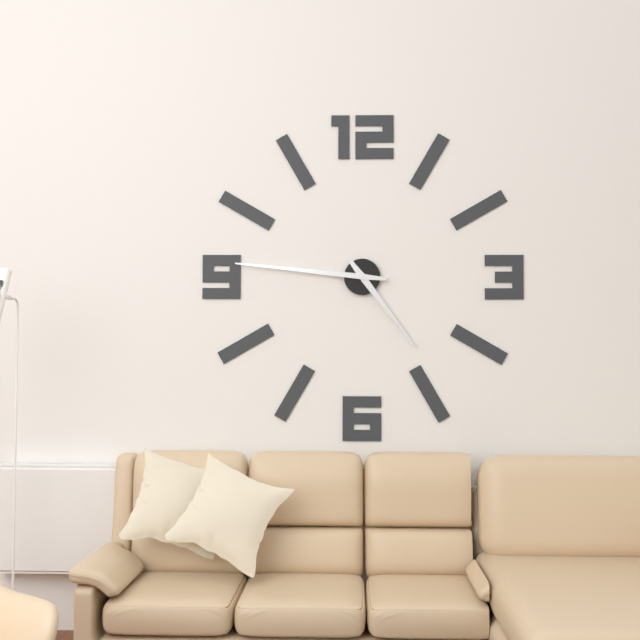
4:46
